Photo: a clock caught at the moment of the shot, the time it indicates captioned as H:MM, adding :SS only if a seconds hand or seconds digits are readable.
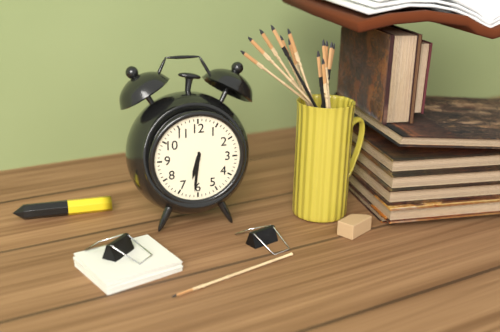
6:31
